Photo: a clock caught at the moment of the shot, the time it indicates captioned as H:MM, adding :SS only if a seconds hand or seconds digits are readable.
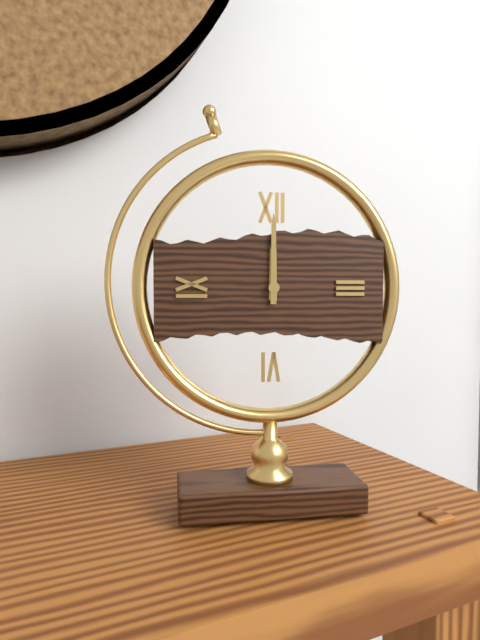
12:00
